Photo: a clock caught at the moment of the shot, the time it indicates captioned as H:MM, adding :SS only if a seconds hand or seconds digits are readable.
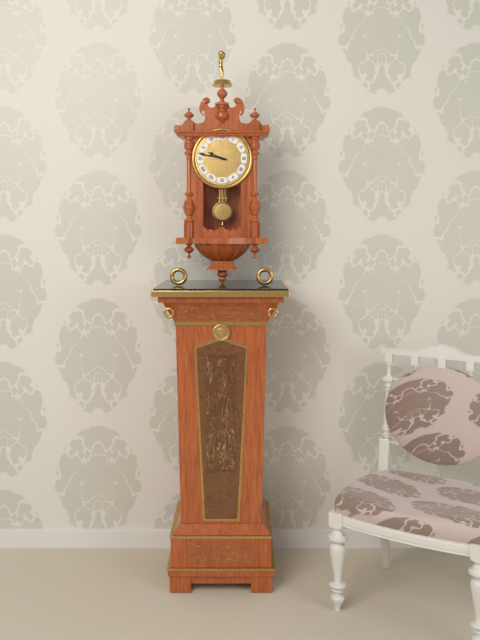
9:47
